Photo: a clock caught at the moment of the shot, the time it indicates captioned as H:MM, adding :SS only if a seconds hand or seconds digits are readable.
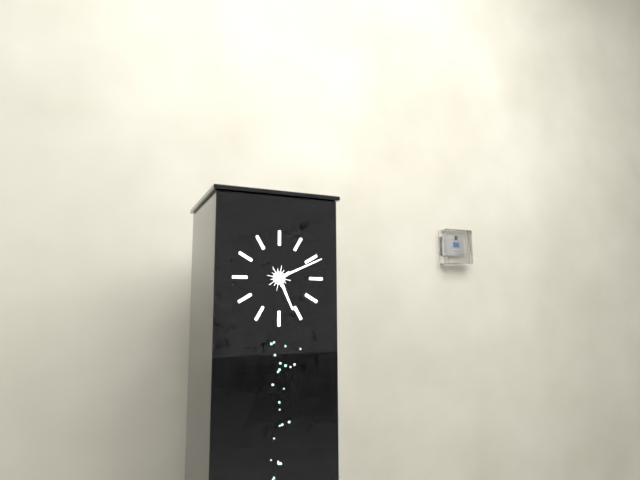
5:11
